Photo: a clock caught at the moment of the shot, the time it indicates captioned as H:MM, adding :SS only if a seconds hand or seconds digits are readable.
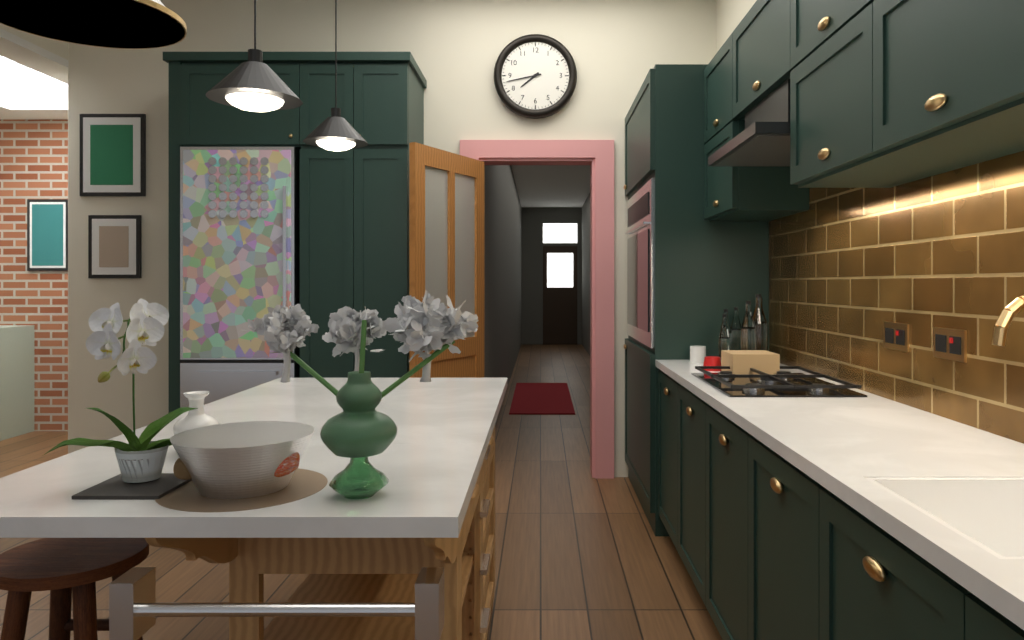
7:43
